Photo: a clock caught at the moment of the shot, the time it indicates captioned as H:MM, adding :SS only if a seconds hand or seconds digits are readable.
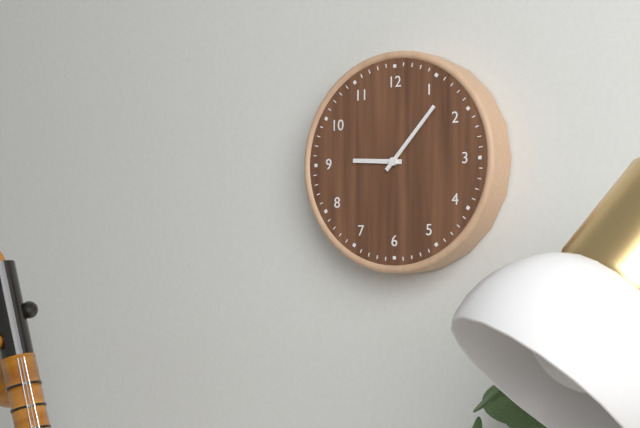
9:07
